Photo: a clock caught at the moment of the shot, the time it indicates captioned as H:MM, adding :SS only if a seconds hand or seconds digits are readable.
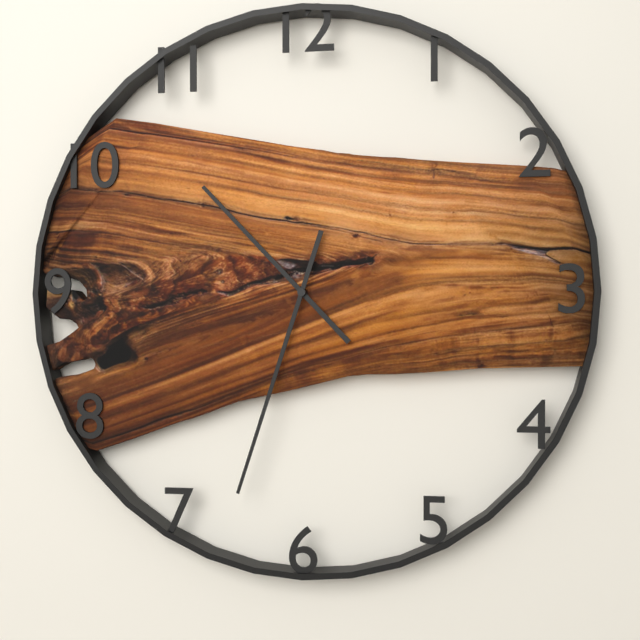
10:33
